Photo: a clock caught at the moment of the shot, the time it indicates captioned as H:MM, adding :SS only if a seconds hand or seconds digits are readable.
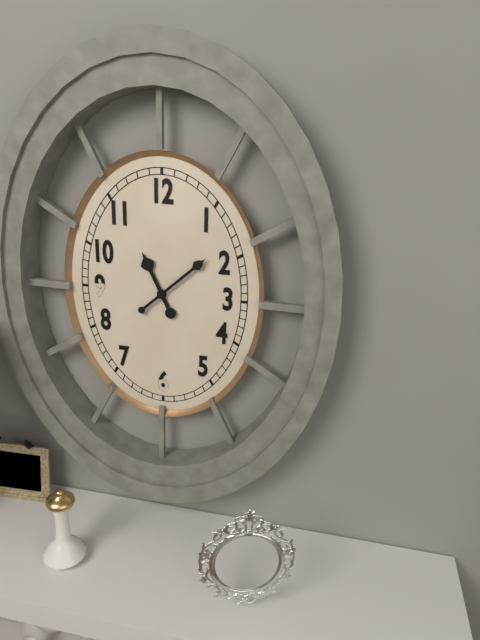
11:08
